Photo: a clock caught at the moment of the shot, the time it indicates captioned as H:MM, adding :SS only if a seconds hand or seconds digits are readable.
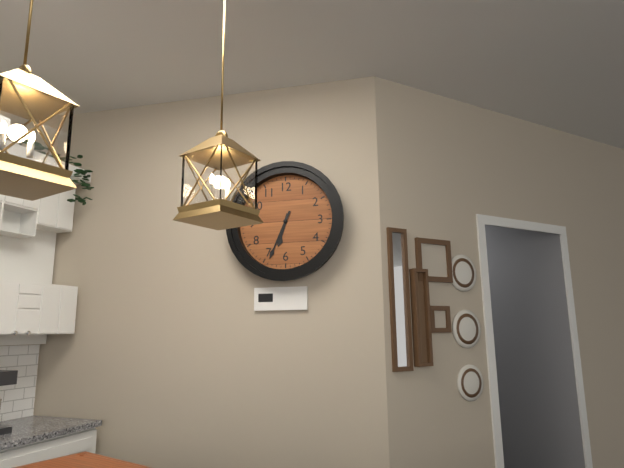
6:34
